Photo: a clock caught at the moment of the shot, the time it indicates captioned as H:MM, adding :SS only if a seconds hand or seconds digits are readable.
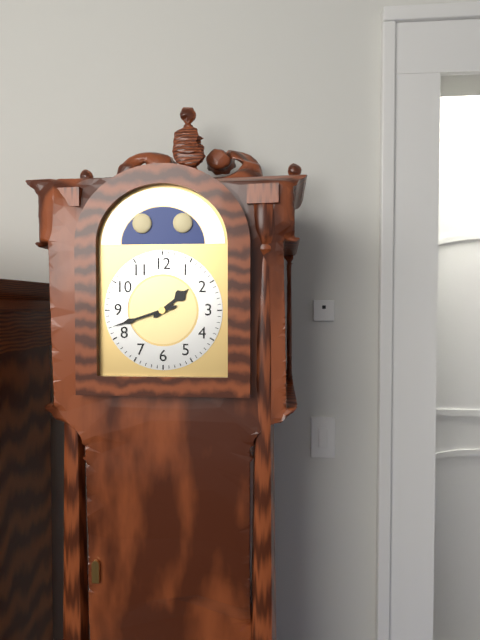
1:42
